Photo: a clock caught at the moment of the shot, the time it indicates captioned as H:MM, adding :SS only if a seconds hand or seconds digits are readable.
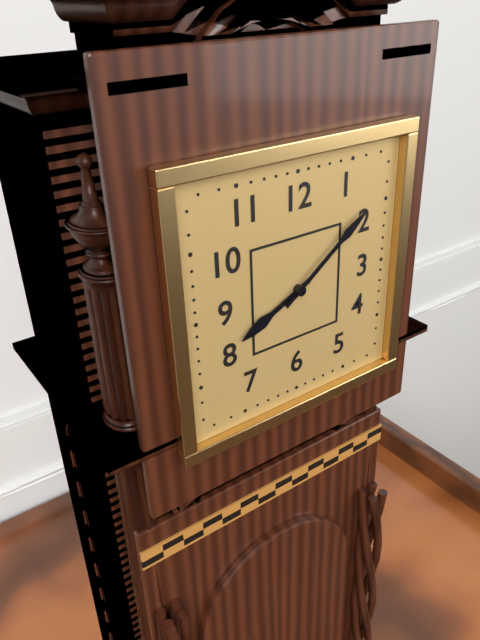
8:09
